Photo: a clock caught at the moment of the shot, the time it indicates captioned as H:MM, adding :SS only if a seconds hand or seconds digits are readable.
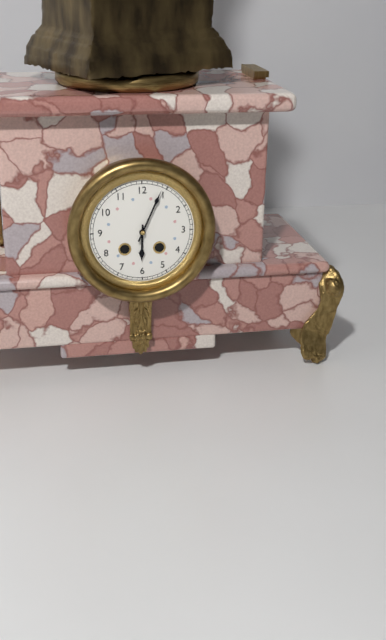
6:04
